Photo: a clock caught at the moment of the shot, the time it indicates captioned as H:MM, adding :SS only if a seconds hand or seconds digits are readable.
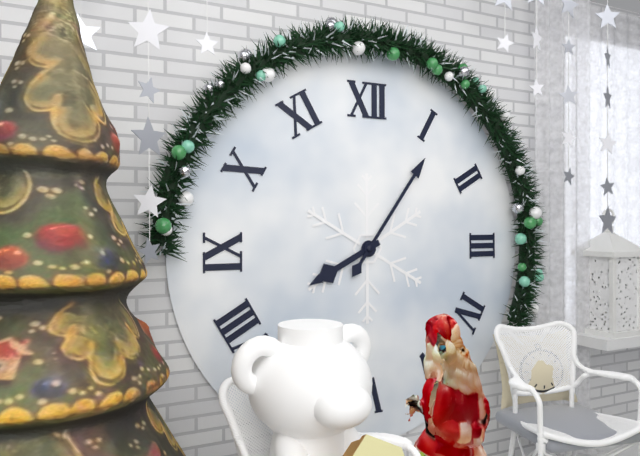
8:06
